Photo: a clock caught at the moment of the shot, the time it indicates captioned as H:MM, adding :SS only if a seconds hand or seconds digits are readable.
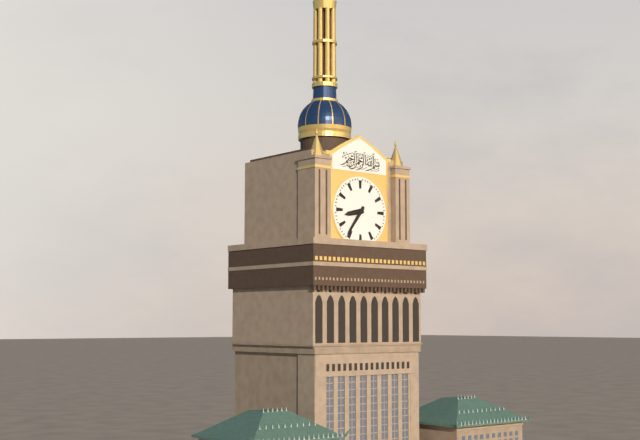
8:36
